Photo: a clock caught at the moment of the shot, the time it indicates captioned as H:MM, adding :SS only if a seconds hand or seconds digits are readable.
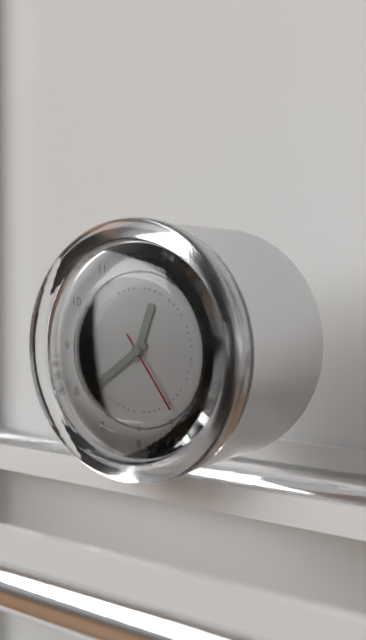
12:39:24
